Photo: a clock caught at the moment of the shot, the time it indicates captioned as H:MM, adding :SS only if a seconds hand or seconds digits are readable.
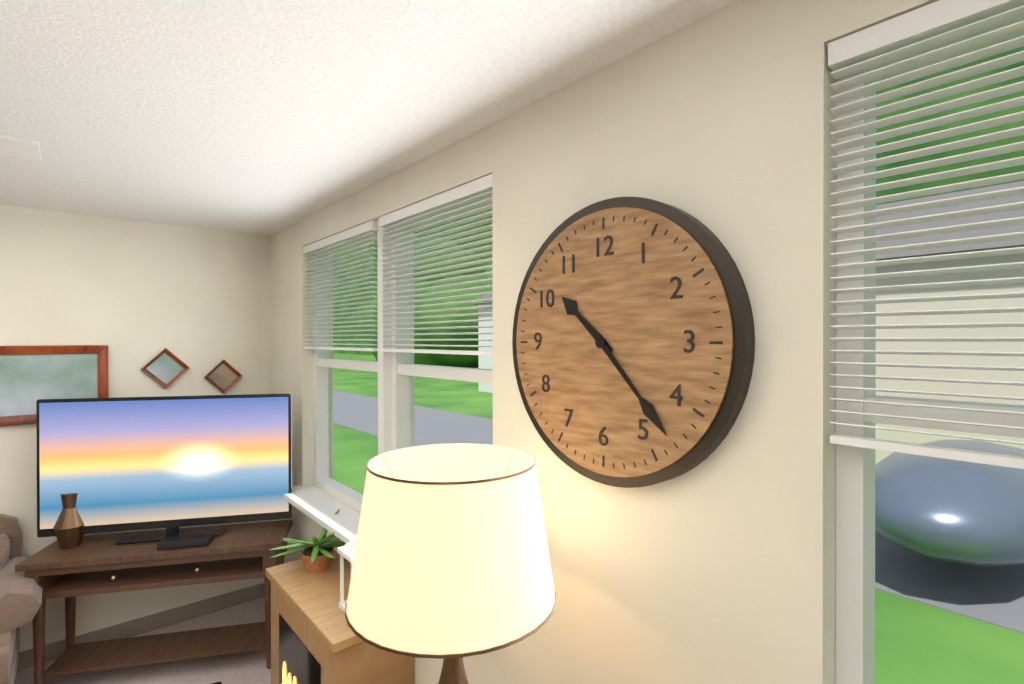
10:23
